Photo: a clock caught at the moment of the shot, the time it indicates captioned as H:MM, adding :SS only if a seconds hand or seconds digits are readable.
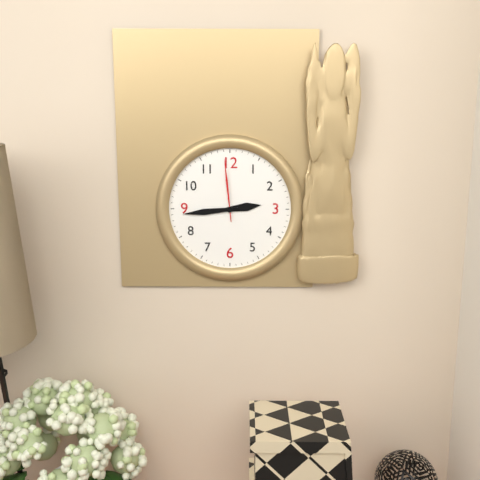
2:44:59
